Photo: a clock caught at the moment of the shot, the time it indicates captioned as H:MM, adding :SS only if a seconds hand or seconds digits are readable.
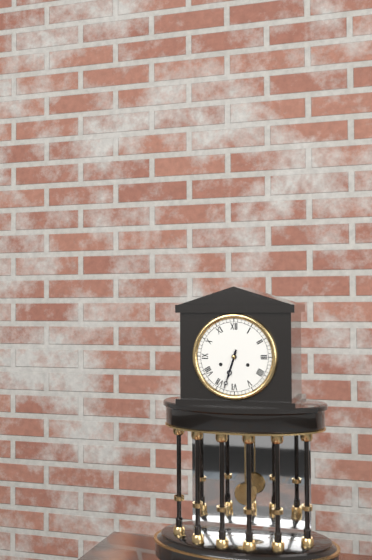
6:33
